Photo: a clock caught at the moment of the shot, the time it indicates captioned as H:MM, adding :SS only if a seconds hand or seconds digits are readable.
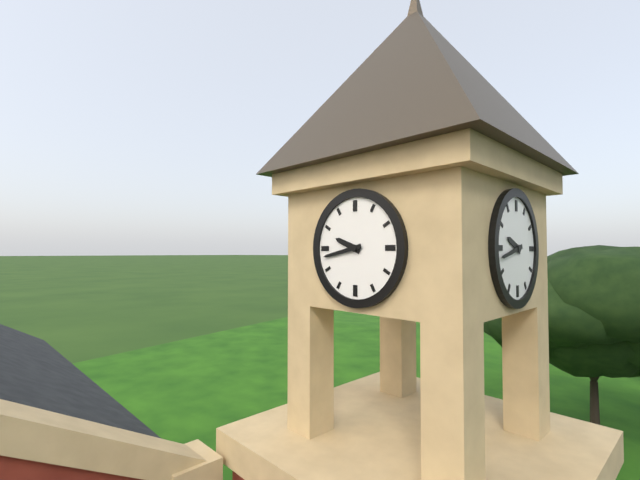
9:43
